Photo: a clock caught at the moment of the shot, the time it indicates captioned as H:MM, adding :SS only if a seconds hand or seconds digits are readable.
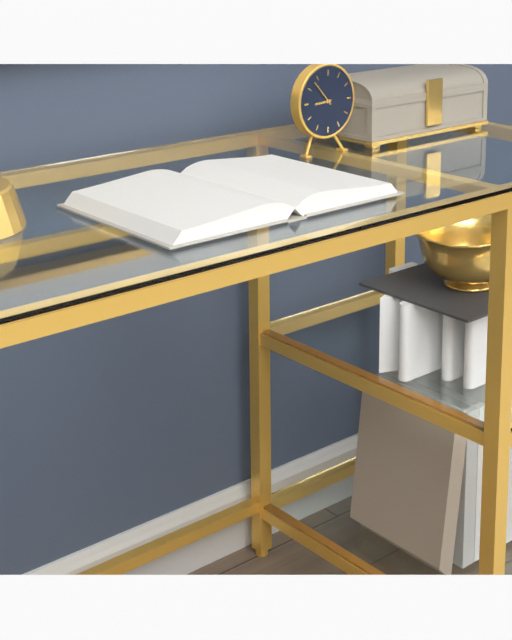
8:53
